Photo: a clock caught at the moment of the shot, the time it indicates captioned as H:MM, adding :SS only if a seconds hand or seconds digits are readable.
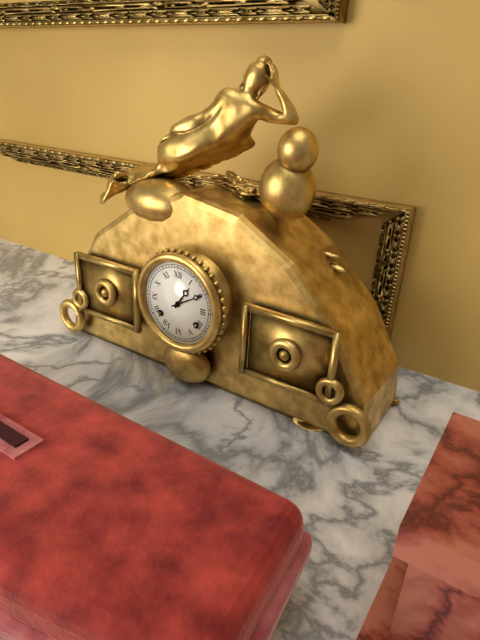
1:10
